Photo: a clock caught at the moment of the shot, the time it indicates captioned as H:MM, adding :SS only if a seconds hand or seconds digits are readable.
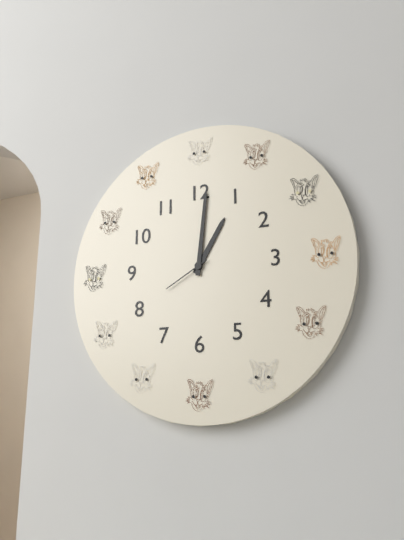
1:01:40
